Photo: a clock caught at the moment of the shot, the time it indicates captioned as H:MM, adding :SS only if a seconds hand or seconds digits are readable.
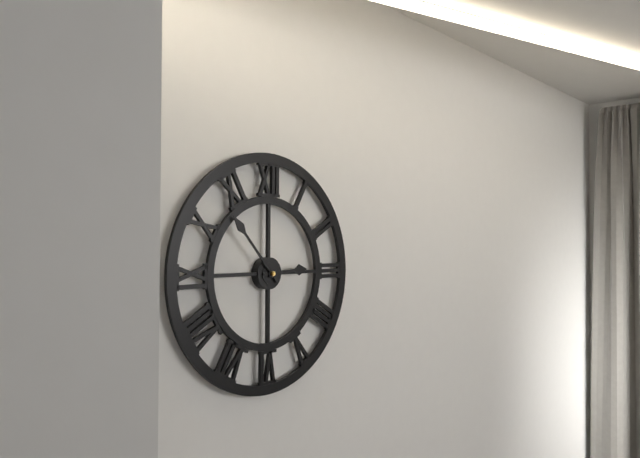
2:53
